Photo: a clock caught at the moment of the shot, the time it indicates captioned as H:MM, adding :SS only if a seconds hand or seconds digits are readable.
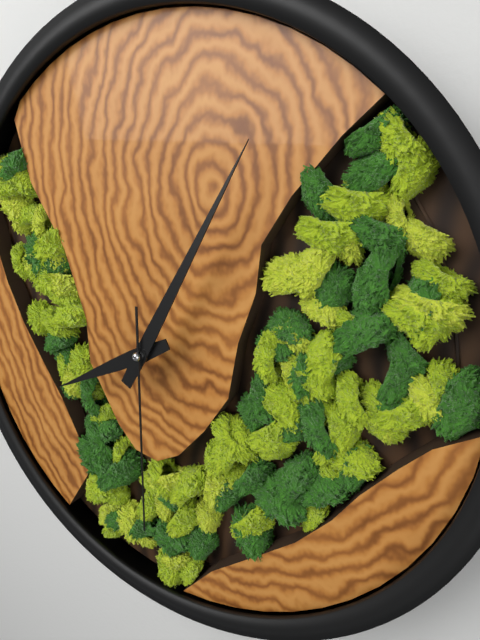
8:05:30
